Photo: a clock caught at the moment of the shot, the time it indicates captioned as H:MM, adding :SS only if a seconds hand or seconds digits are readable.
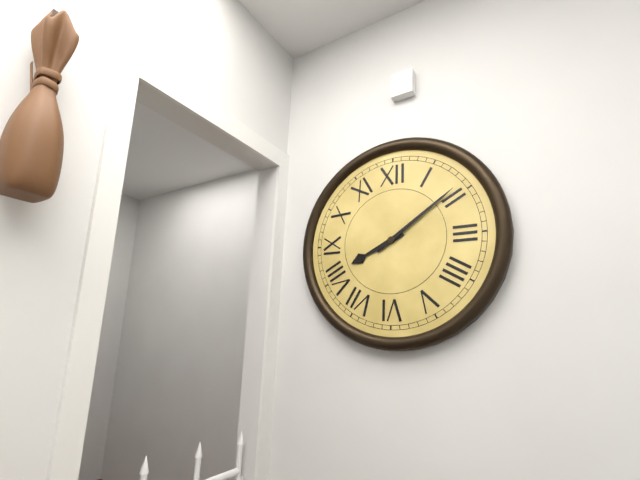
8:09
